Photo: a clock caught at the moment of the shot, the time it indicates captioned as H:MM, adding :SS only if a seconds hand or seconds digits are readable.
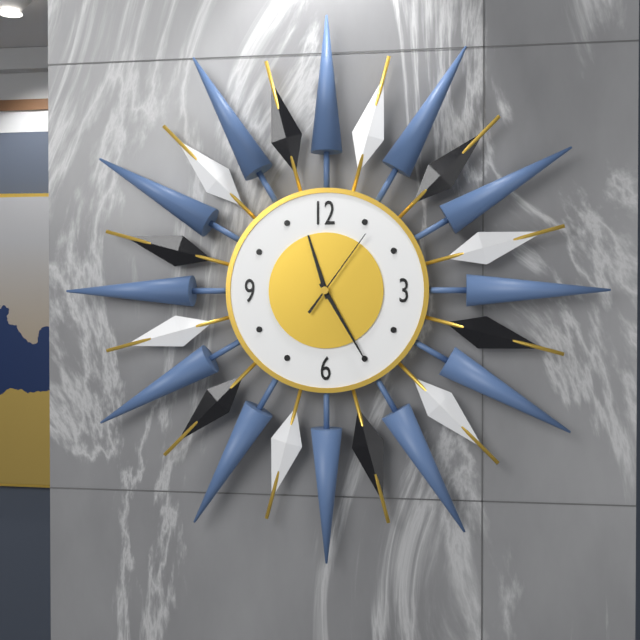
11:25:06
